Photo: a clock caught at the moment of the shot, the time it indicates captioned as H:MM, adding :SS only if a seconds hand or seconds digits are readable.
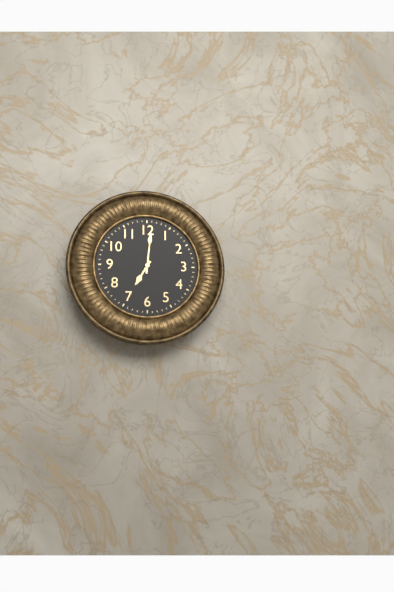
7:01
